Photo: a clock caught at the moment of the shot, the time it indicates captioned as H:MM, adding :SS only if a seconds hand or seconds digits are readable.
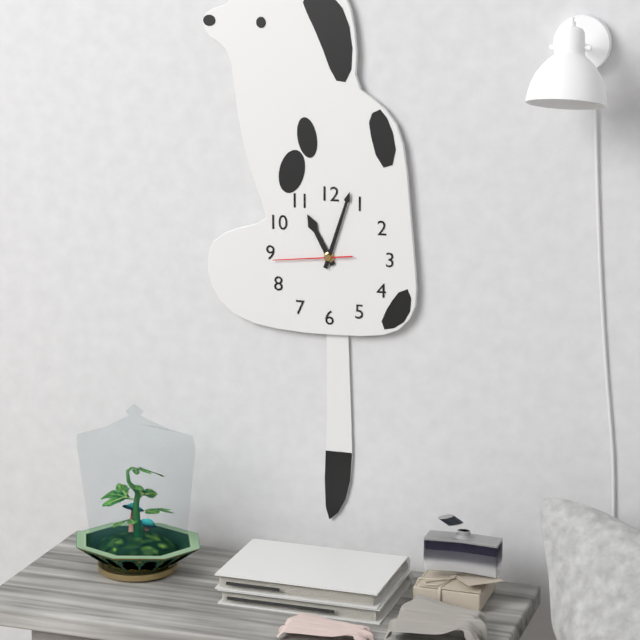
11:03:44
